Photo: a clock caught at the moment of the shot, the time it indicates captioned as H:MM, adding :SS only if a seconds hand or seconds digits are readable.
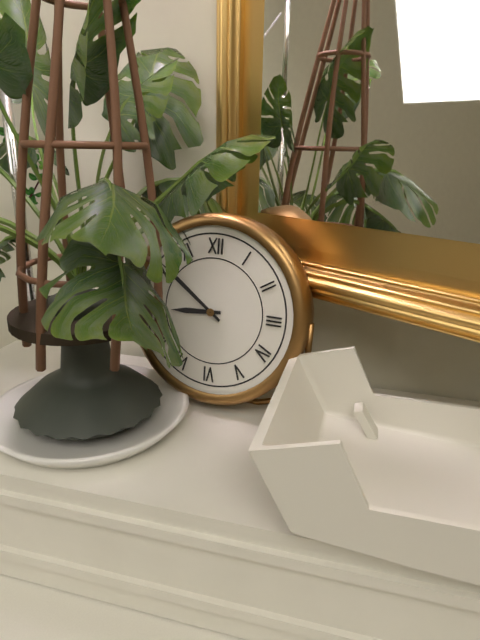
8:51
